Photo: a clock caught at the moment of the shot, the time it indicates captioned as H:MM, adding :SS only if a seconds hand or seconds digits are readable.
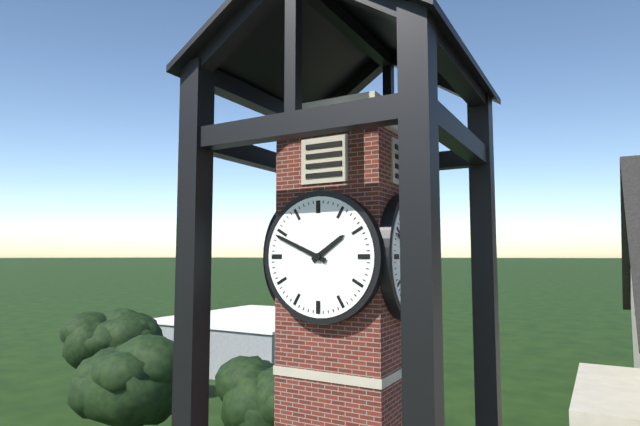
1:49
